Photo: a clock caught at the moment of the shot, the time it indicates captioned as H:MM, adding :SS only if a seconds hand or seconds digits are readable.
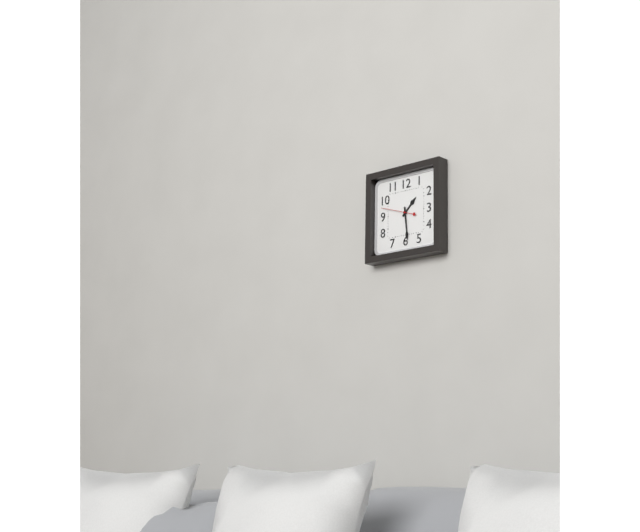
1:29
